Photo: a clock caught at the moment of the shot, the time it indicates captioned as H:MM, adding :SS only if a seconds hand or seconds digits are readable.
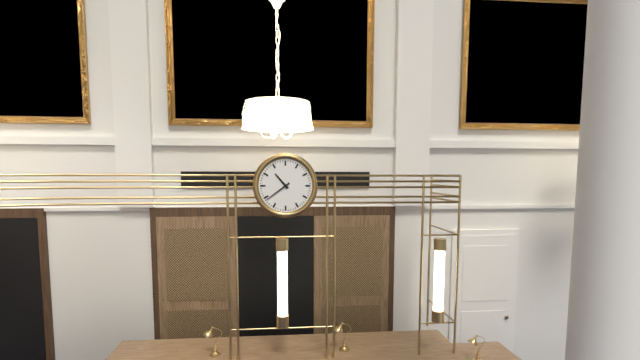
10:39
